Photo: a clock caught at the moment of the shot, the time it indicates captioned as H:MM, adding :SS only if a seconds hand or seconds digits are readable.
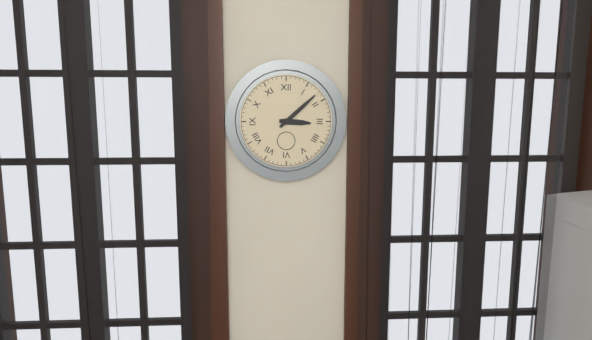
3:08
